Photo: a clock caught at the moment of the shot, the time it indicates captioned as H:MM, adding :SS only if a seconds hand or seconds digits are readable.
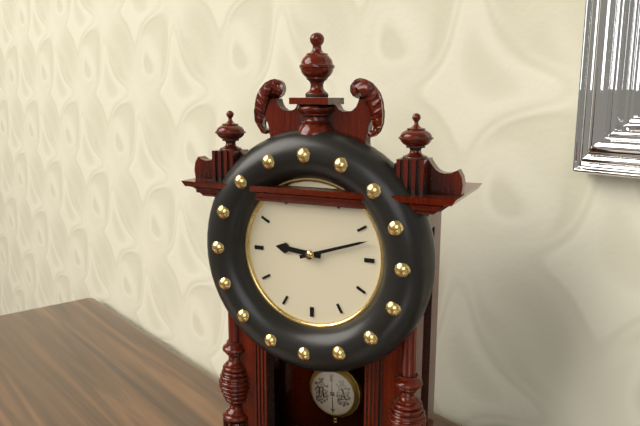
9:12
